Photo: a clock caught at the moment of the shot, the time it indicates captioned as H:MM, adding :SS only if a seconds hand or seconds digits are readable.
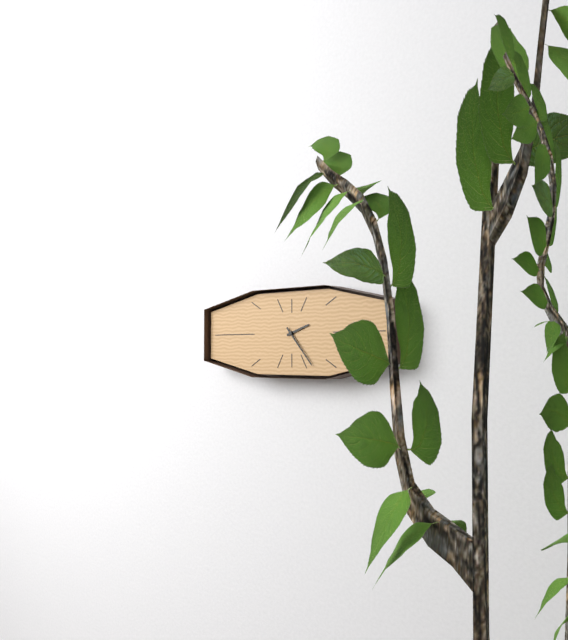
2:23
